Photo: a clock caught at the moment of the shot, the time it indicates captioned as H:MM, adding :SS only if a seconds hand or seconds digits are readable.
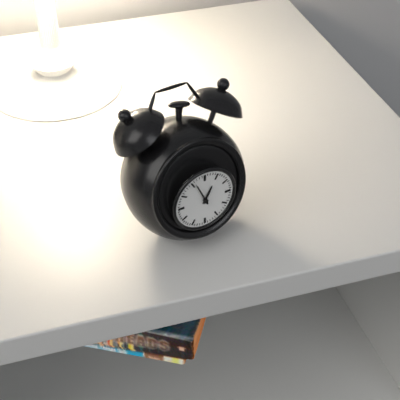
12:56
